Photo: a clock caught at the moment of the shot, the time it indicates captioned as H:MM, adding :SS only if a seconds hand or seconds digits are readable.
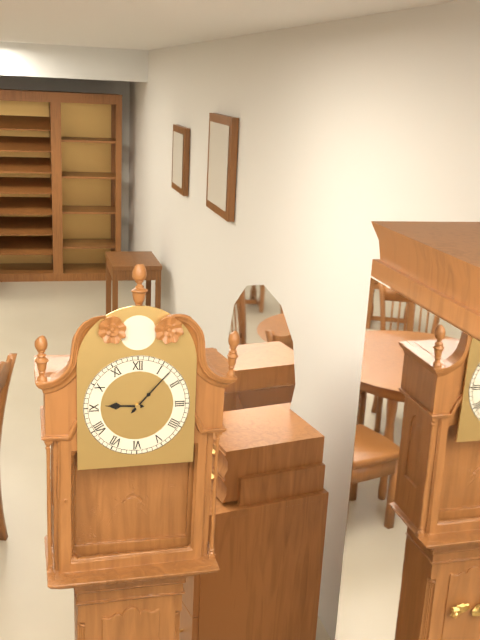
9:07
